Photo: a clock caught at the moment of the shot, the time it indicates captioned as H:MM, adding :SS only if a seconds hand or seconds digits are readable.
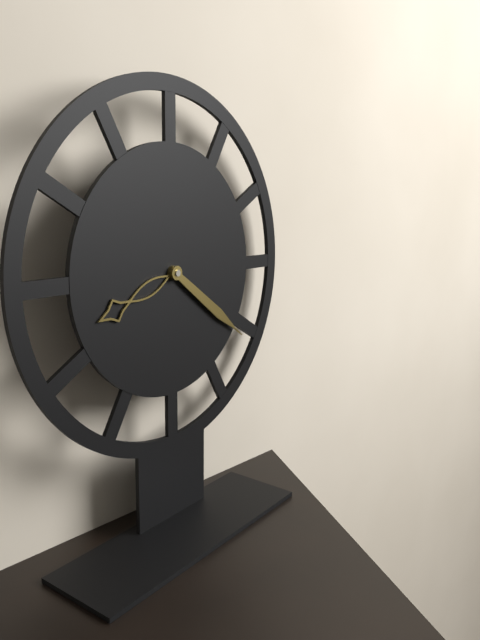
8:21
